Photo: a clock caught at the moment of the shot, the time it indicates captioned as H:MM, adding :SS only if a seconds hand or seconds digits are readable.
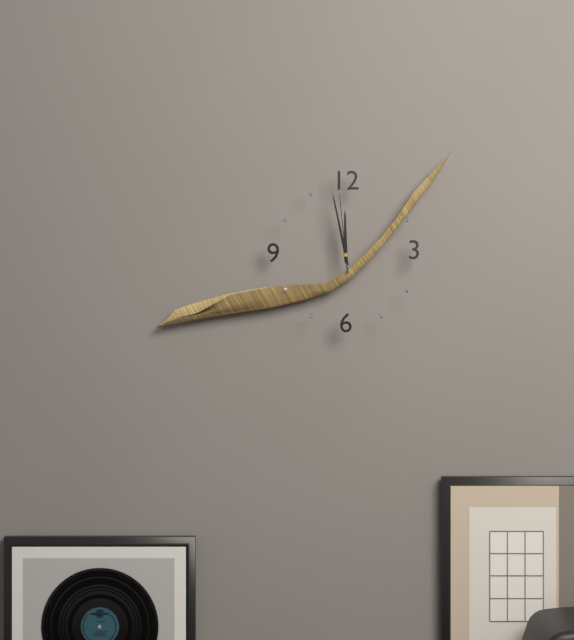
11:58:59
